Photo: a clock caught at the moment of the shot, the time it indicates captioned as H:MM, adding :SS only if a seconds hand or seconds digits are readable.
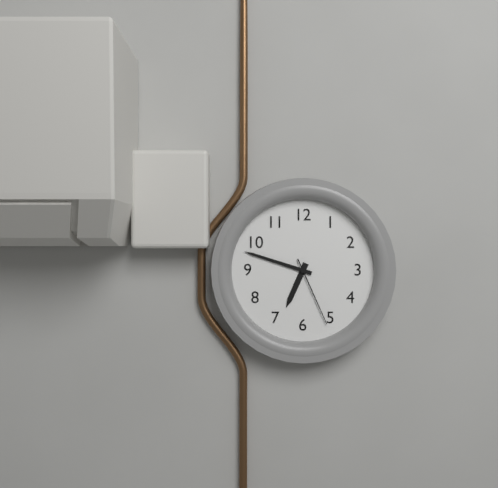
6:48:26
